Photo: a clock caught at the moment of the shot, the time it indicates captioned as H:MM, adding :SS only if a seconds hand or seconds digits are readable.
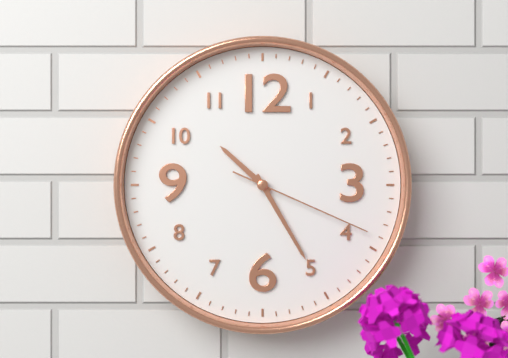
10:25:19
